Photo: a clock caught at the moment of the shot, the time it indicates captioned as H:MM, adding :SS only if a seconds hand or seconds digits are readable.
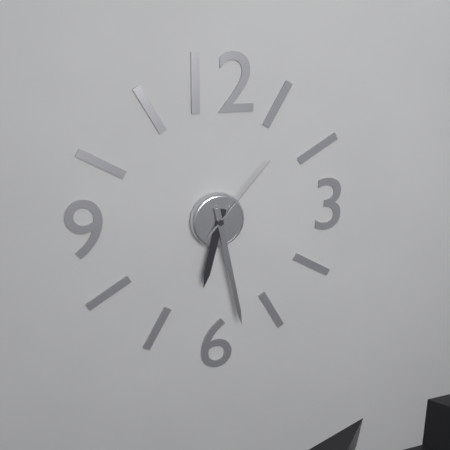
6:28:07
